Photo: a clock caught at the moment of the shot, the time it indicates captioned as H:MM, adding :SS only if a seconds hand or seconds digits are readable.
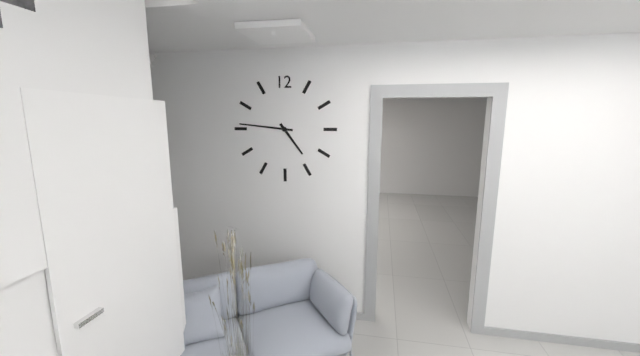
4:46
